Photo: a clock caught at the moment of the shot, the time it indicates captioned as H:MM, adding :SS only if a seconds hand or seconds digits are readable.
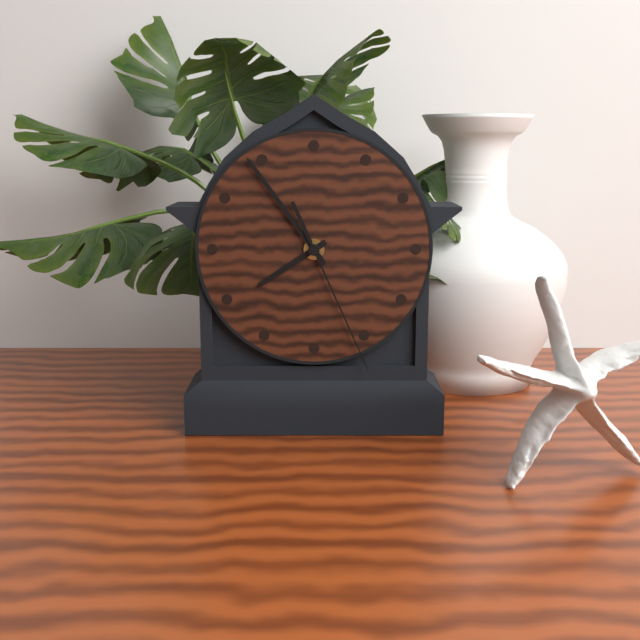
7:54:26
